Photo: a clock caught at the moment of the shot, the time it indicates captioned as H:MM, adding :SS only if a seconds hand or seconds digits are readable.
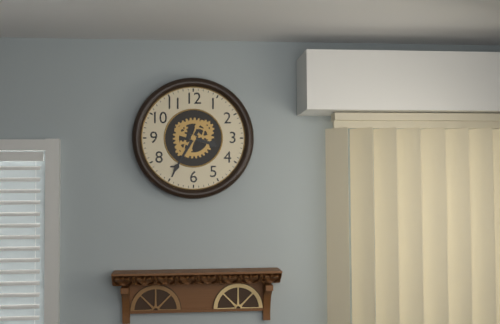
3:35
